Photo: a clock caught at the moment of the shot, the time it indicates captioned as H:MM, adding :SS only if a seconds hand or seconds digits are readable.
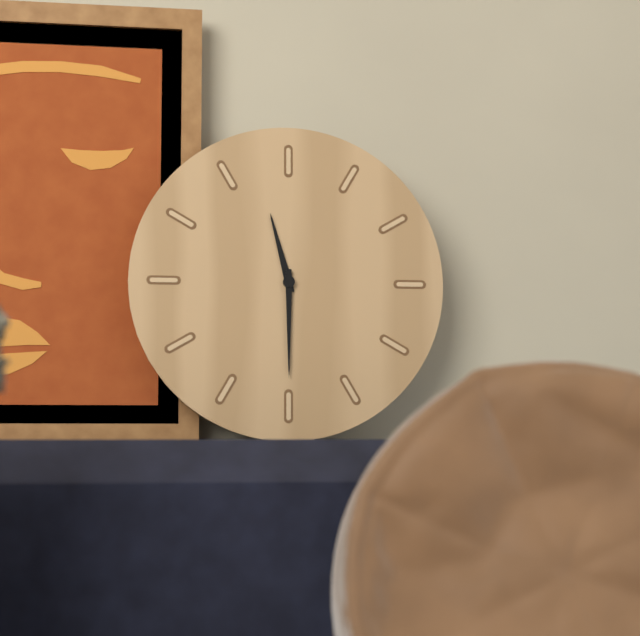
11:30
